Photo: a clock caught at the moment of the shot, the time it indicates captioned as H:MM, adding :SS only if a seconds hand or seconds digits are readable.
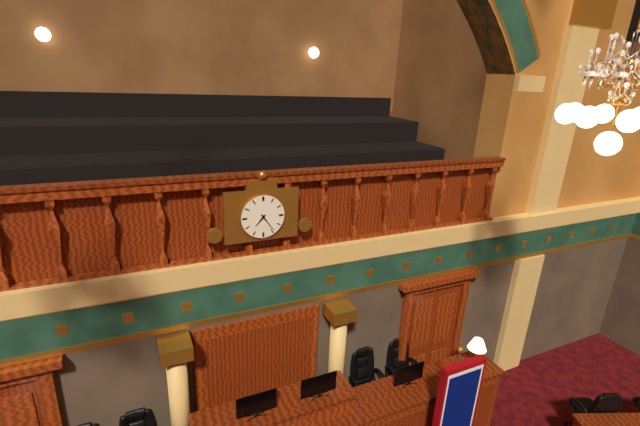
7:24
